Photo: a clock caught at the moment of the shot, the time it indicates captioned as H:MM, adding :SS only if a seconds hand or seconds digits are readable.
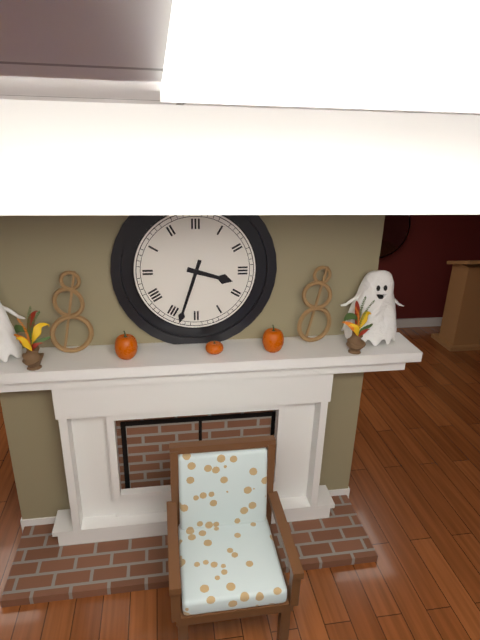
3:33
